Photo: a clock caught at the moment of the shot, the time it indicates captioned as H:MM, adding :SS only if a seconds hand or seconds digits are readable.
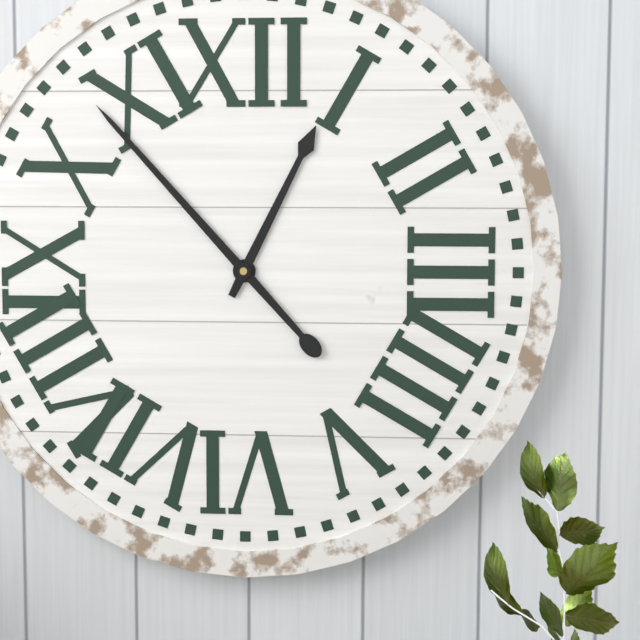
12:53
